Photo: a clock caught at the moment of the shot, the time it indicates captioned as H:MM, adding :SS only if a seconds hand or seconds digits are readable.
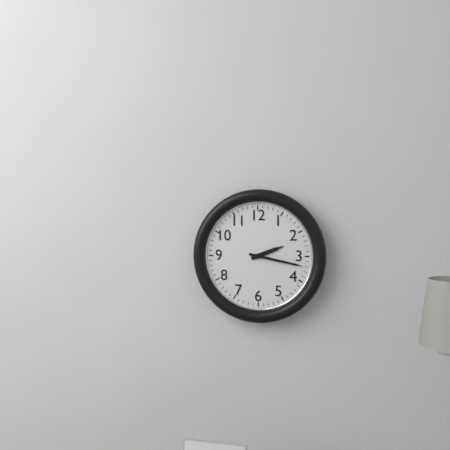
2:17
